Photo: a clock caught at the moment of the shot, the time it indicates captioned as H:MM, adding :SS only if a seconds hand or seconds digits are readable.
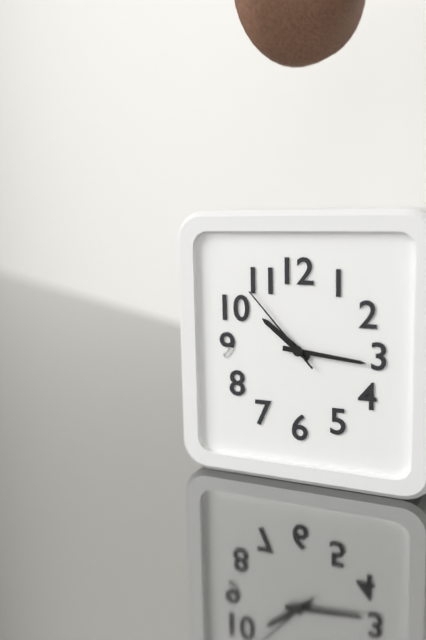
10:16:53
